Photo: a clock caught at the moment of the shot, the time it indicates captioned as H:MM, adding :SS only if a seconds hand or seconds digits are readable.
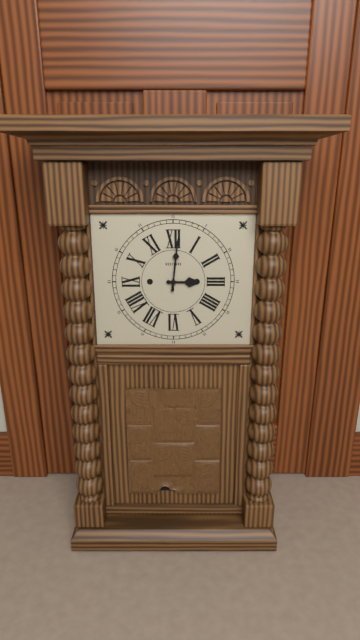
3:01
